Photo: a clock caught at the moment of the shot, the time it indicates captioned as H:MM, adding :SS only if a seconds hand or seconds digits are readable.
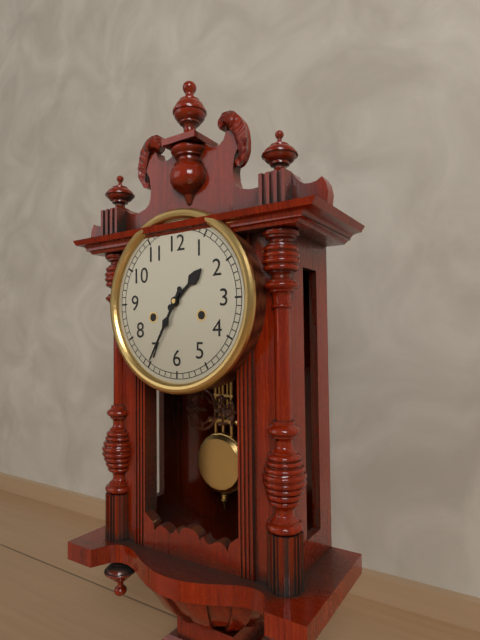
1:35
